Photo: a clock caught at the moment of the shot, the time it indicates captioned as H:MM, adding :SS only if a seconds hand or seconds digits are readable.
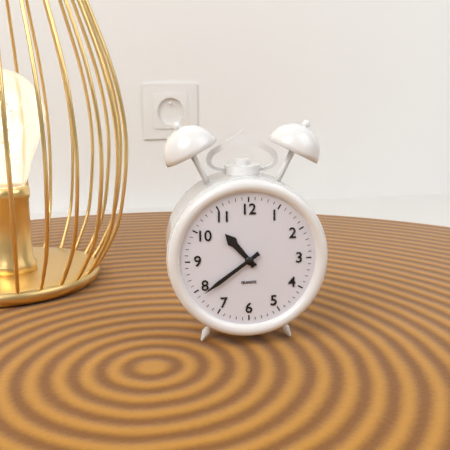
10:39
